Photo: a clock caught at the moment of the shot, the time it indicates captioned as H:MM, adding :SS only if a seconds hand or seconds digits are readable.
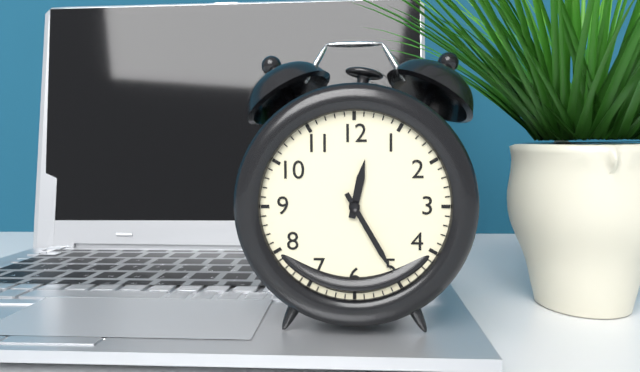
12:25
